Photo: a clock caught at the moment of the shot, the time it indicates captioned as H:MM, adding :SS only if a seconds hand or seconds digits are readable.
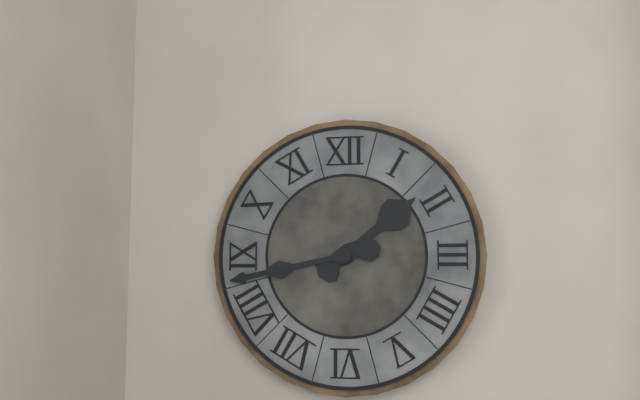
1:43
